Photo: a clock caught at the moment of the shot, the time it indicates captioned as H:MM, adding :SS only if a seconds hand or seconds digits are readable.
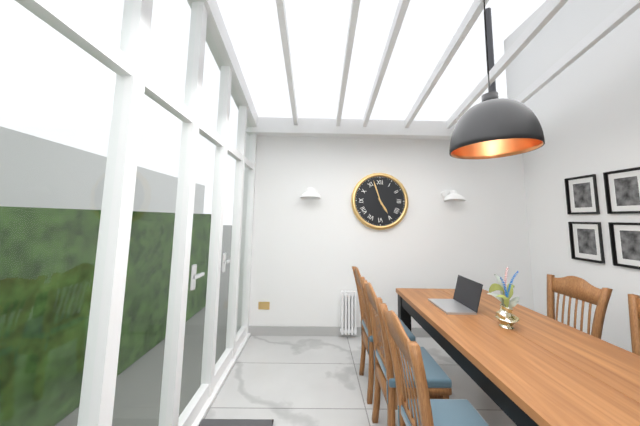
4:57
